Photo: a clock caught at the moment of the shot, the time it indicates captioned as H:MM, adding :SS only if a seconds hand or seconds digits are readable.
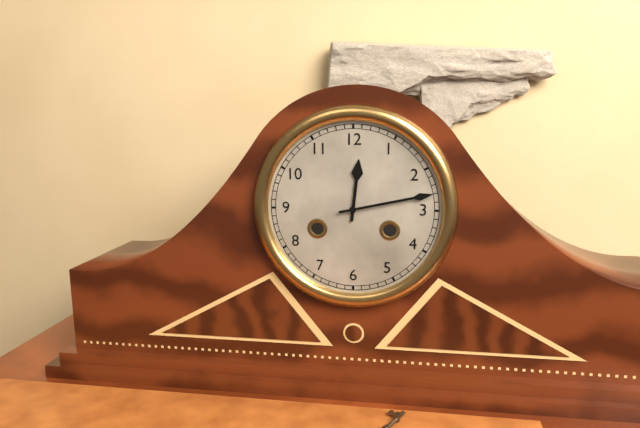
12:13
